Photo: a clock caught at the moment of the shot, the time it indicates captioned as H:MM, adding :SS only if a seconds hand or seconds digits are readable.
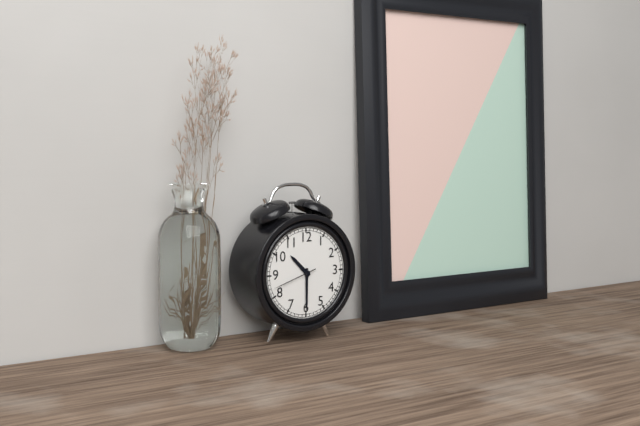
10:30
